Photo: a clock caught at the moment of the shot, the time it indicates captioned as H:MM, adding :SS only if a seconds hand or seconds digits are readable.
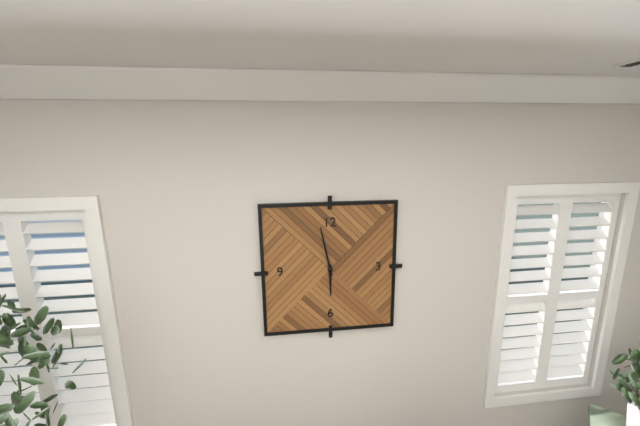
5:58
